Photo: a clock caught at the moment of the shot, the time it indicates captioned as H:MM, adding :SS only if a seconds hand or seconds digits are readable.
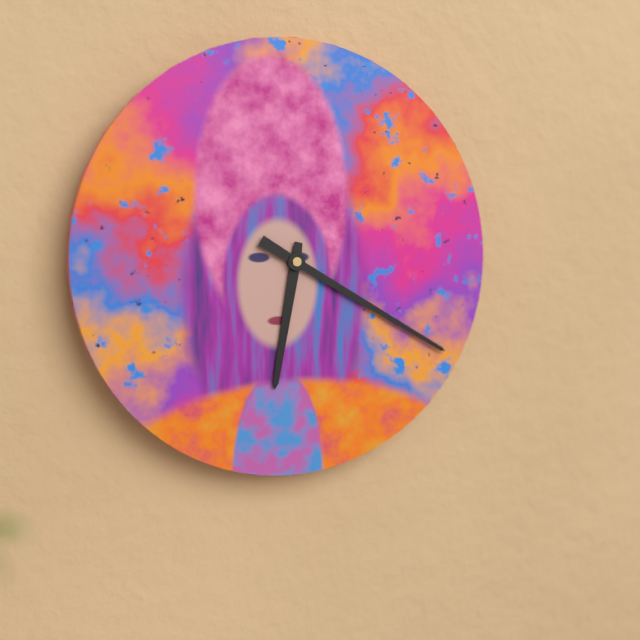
6:20
